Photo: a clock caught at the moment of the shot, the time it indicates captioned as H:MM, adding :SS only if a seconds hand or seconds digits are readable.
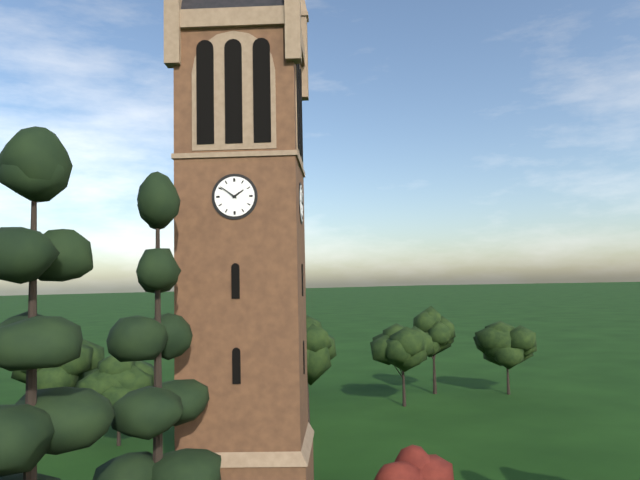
1:51
